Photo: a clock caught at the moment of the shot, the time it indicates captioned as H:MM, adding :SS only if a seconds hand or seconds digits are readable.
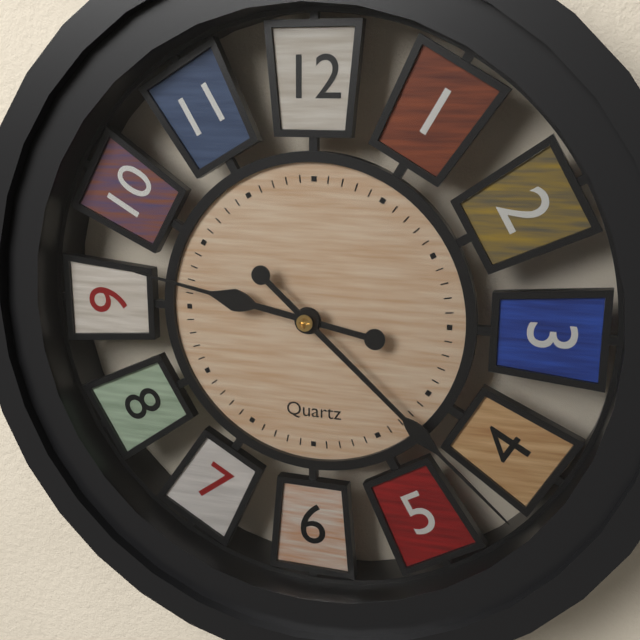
9:22
